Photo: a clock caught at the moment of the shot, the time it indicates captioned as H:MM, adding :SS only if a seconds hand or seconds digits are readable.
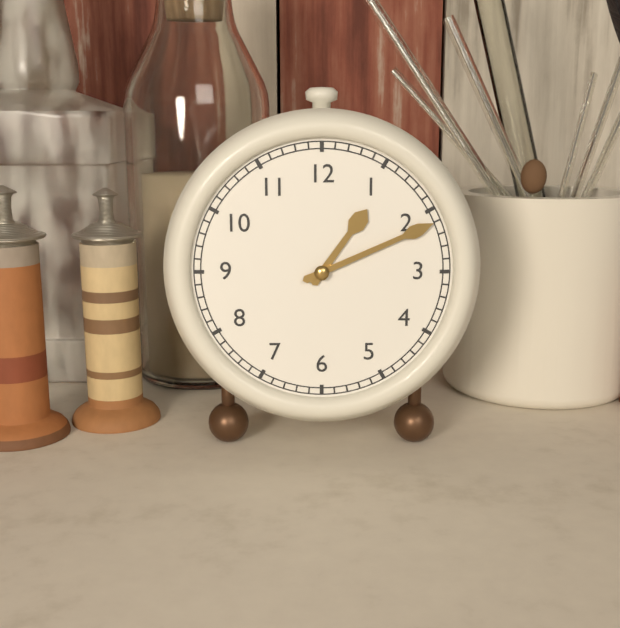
1:11
